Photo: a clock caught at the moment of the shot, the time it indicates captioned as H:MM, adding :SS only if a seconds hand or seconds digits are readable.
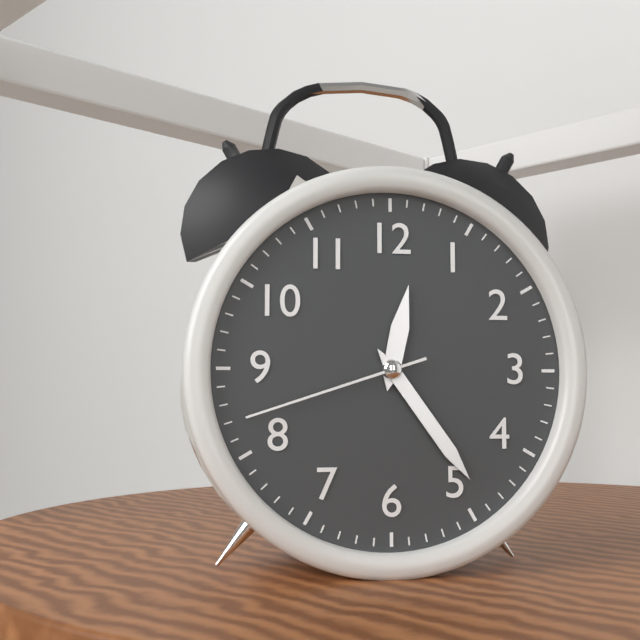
12:24:42
